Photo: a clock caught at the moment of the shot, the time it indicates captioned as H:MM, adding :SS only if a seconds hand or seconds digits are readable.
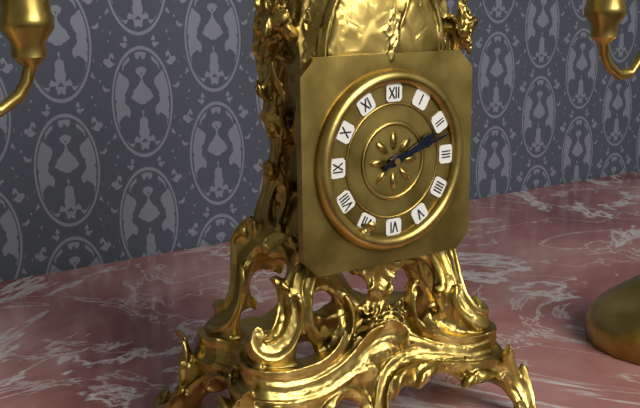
2:12
